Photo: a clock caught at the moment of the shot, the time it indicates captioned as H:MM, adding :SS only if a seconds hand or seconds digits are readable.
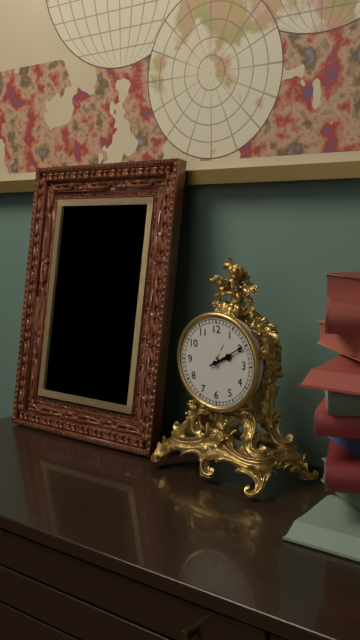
2:10
